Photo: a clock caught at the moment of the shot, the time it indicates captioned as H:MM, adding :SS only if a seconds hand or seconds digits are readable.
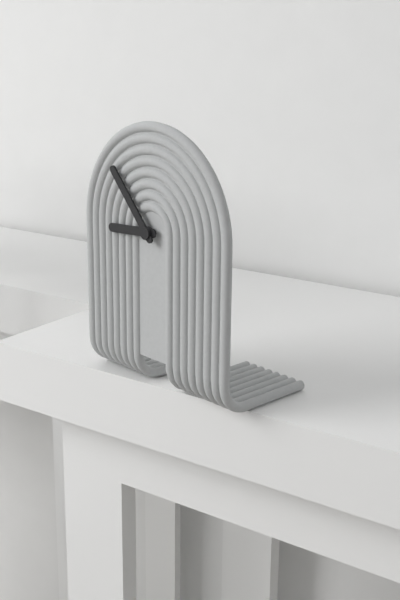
8:53
